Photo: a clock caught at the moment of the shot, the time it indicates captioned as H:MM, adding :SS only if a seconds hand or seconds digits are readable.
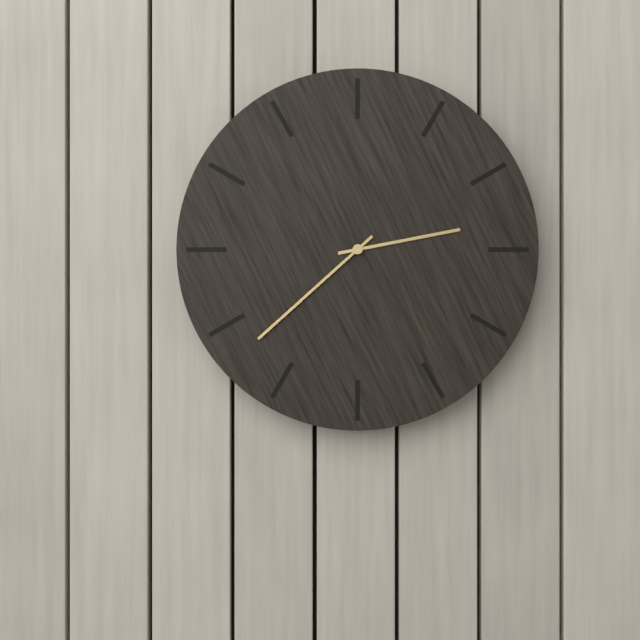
2:38
